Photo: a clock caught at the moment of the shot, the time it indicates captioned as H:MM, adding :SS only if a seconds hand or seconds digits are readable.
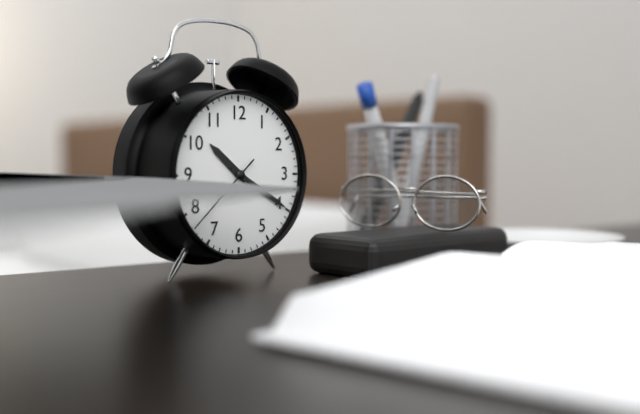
10:20:38
